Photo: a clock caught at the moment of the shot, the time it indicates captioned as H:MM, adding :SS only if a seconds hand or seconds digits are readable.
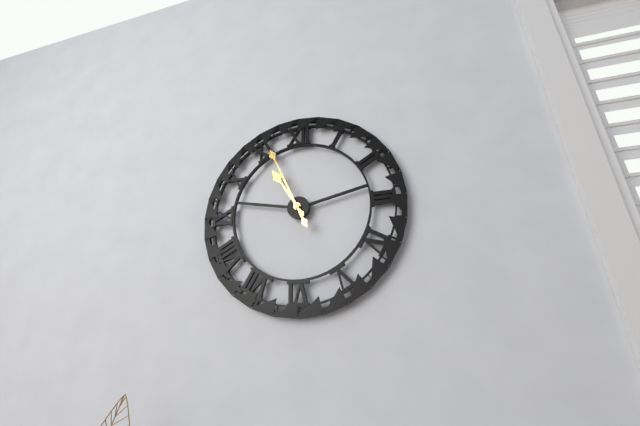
10:56
